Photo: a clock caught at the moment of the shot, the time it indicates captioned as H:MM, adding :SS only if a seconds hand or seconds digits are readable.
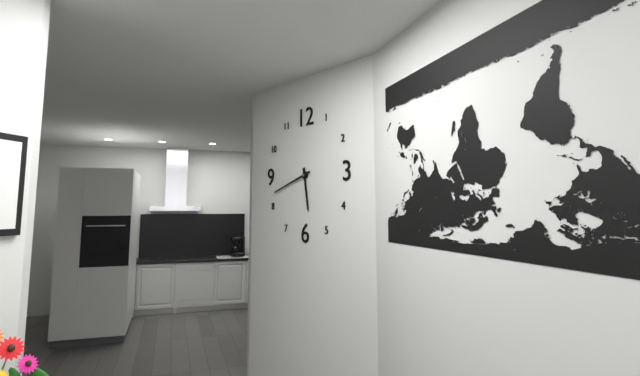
5:42
